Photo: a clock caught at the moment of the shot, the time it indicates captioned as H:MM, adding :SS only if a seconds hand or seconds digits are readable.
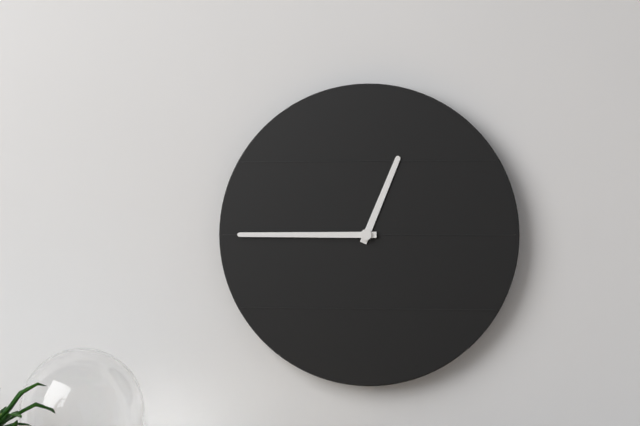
12:45
